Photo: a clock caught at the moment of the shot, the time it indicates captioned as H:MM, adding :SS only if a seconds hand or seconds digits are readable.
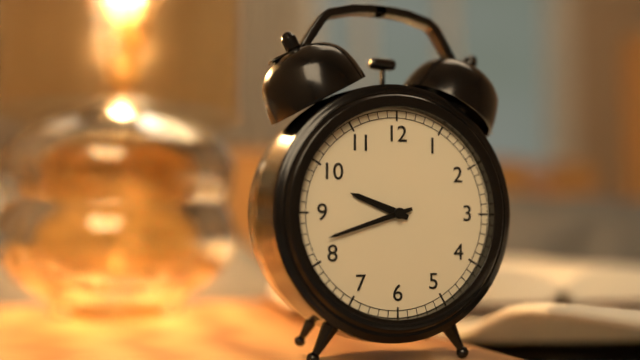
9:42
